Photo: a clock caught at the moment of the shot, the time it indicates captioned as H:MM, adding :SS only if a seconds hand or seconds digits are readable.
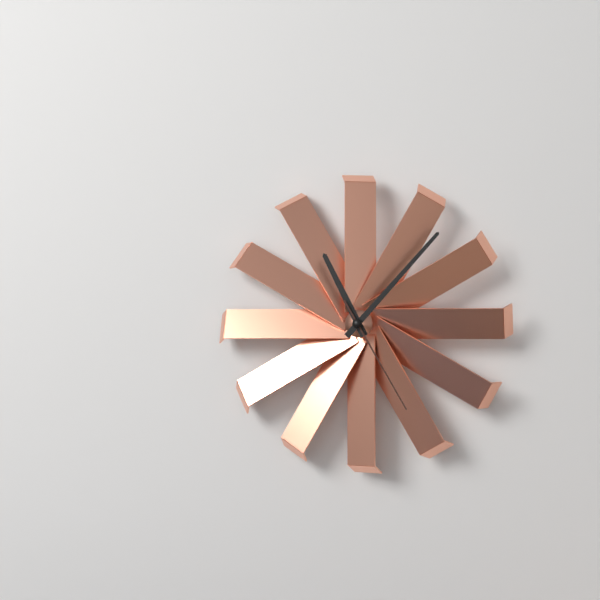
11:07:25
